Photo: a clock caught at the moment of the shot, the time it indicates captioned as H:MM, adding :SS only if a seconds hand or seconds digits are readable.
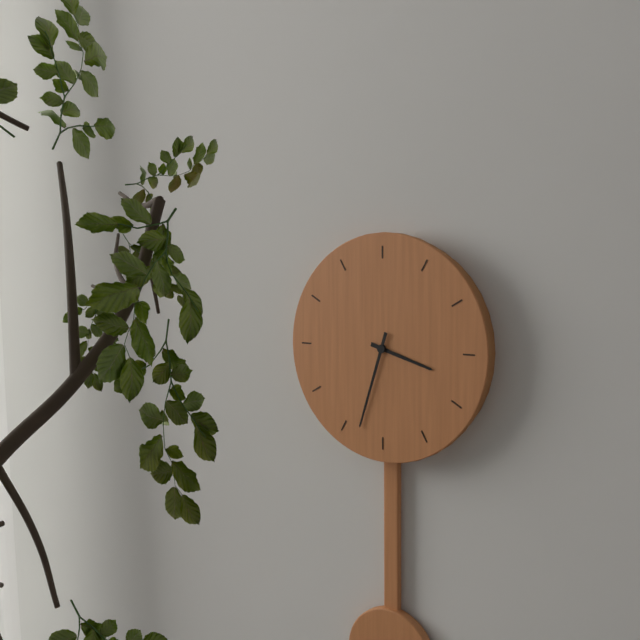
3:33
